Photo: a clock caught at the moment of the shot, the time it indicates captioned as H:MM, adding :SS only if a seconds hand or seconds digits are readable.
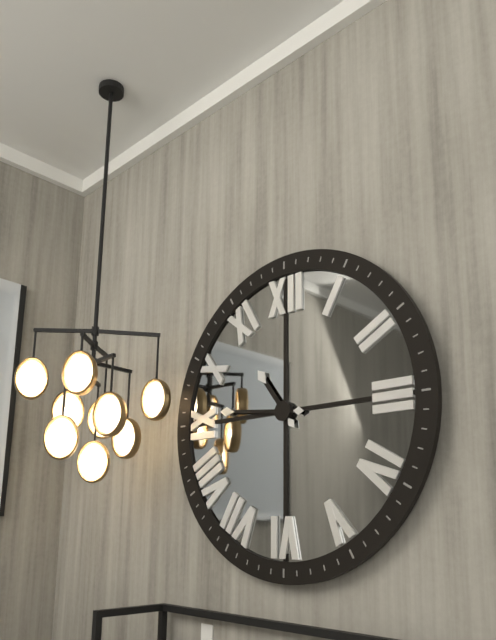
10:46
